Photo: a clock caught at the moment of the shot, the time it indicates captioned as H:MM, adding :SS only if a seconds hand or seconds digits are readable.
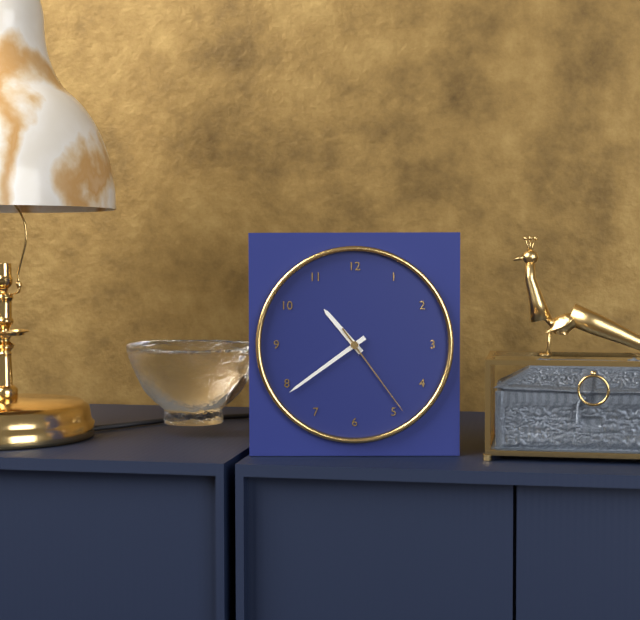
10:39:24
